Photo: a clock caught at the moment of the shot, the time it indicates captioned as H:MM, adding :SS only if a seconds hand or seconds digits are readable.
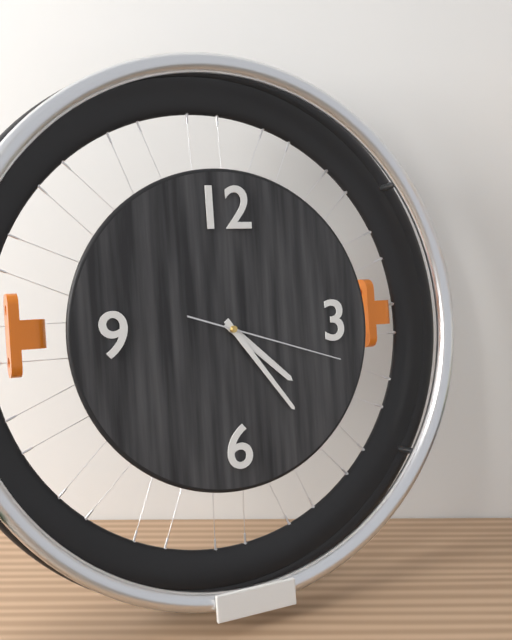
4:24:18
